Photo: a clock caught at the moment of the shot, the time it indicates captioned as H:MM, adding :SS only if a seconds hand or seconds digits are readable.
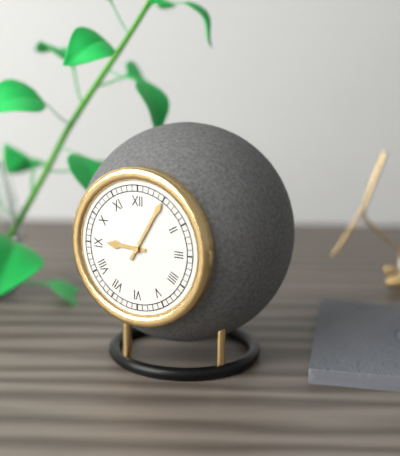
9:05
